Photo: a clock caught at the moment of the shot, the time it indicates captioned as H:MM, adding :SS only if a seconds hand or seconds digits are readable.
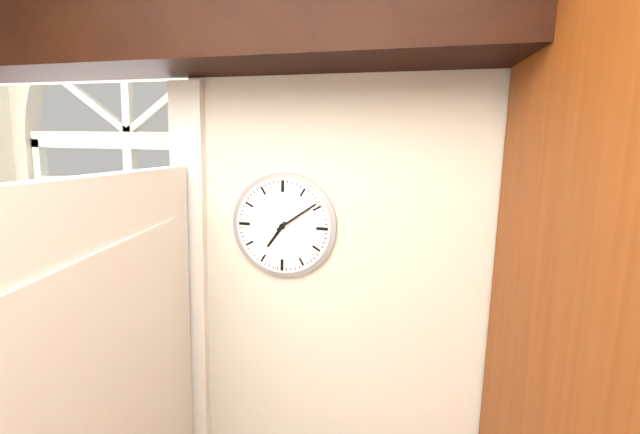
7:09
